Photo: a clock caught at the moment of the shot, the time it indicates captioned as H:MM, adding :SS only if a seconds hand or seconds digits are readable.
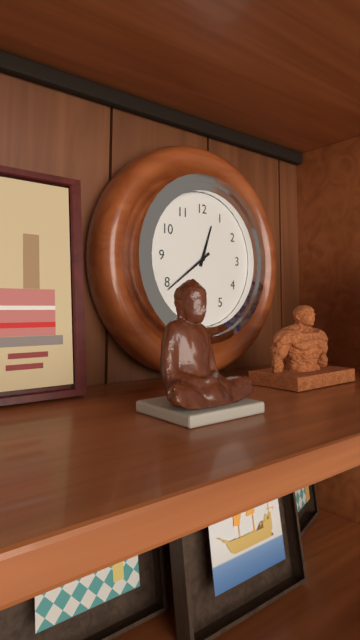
12:39
